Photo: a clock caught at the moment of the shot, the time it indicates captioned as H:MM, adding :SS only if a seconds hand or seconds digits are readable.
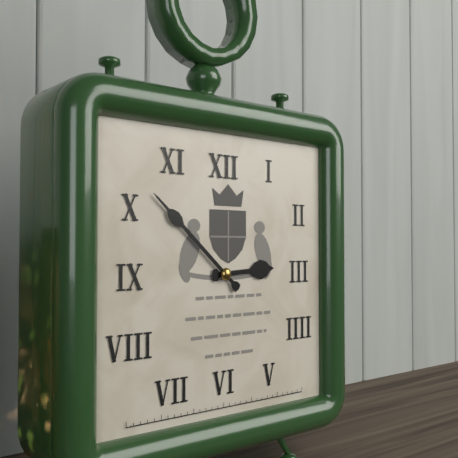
2:52
